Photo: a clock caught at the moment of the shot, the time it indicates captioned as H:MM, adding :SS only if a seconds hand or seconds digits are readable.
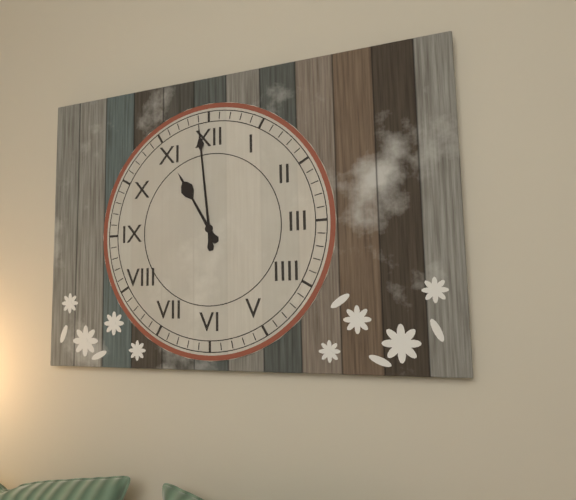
10:59
